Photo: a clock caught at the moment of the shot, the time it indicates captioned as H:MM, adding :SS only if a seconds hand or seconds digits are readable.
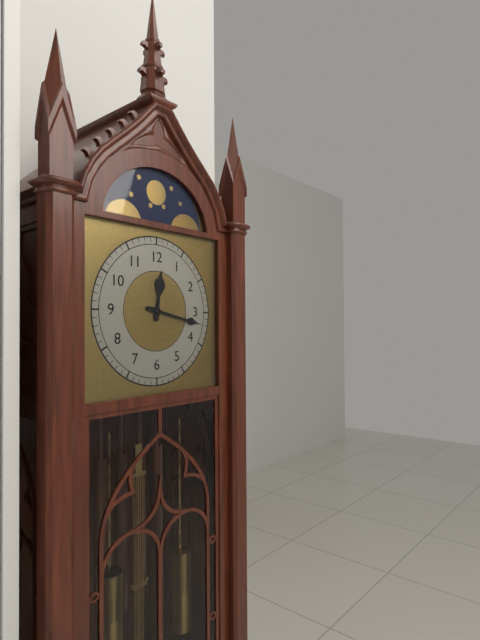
12:17
